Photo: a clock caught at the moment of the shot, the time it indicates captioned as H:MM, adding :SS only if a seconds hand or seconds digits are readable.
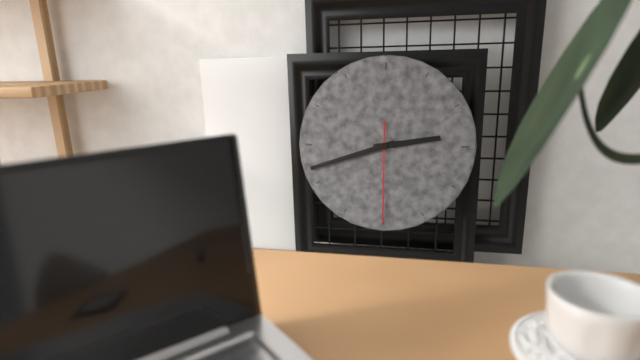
2:42:30
